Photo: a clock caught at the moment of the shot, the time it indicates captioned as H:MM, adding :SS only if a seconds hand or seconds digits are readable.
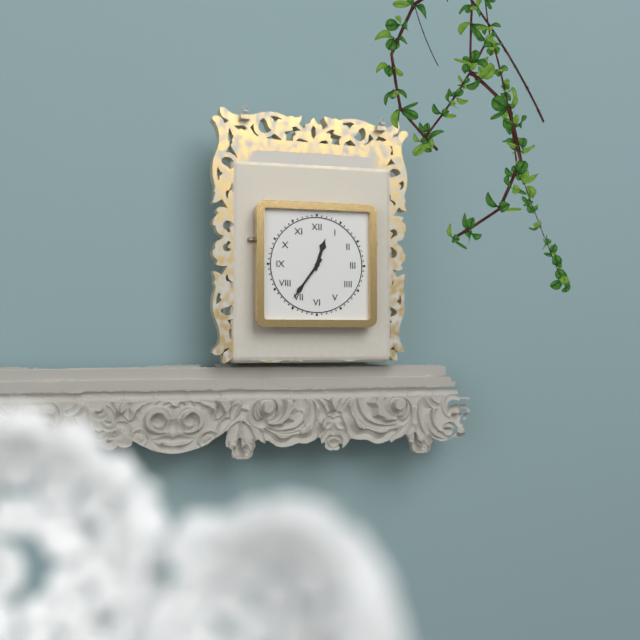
12:36
